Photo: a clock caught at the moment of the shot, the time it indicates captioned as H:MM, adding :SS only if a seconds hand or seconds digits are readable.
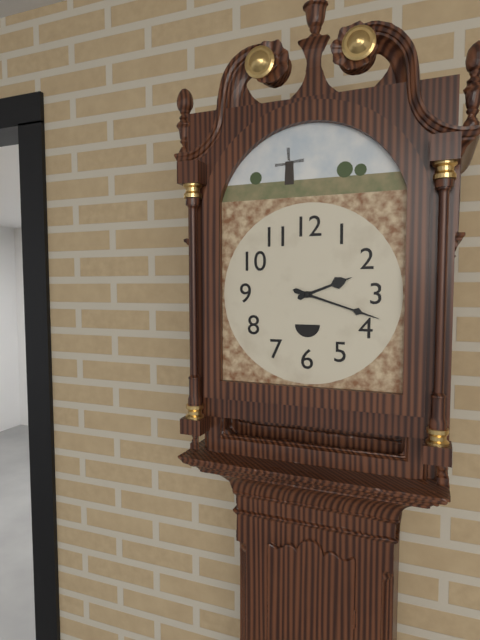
2:18
